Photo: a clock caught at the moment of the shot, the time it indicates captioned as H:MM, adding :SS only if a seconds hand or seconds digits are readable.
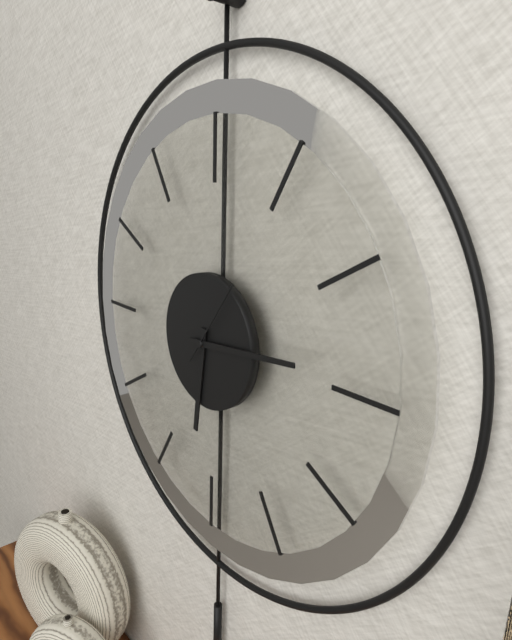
6:14:06
